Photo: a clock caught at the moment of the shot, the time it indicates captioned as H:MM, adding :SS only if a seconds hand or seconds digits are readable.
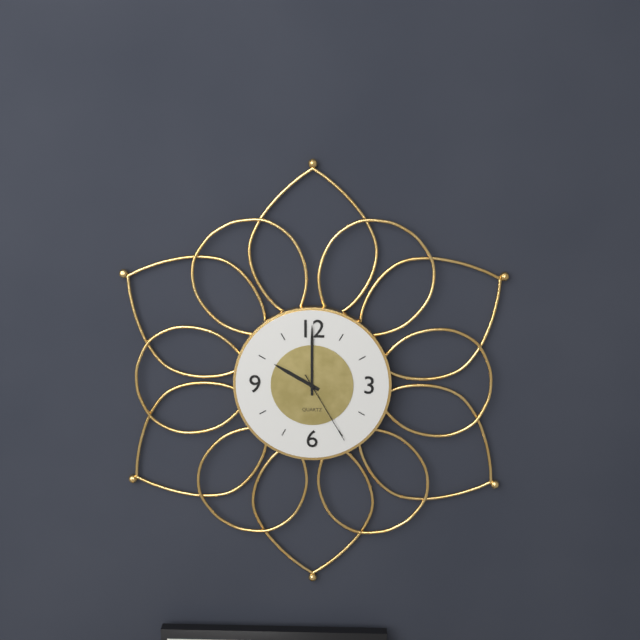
10:00:25
